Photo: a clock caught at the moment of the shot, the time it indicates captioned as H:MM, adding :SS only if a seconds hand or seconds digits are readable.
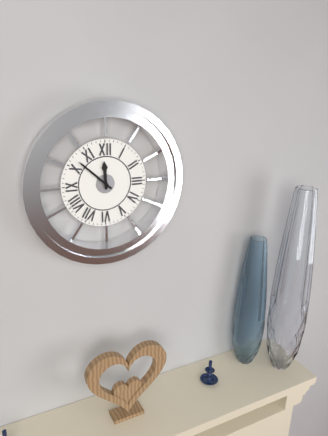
11:52
